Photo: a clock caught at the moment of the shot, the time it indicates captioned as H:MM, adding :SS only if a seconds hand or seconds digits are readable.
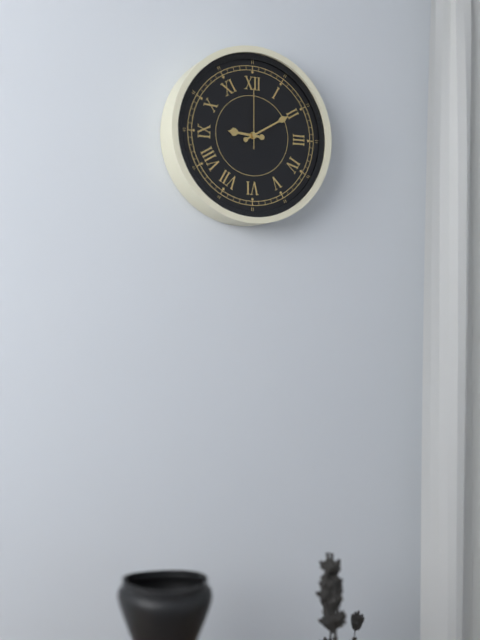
9:10:00
